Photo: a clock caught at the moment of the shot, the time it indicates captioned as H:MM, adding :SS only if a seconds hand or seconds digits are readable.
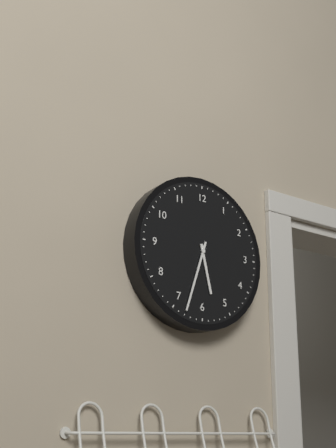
5:33
